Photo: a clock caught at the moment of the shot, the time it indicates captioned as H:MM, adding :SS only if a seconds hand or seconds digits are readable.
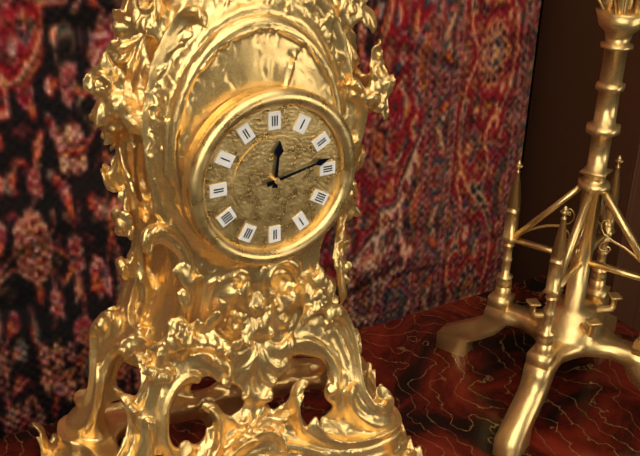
12:13
